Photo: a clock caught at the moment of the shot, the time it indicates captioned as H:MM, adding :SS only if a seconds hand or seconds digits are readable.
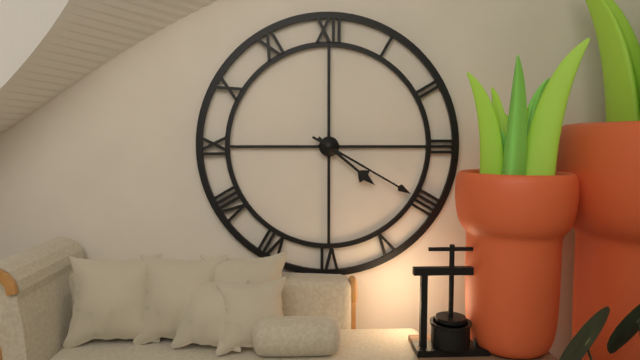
4:20
